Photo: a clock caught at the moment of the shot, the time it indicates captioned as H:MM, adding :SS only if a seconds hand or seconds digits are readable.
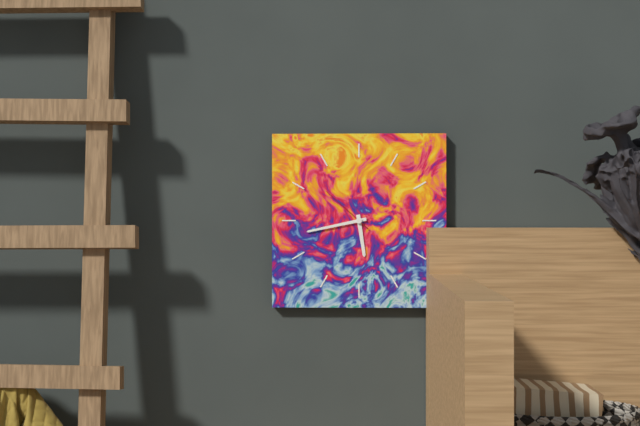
5:43:52
